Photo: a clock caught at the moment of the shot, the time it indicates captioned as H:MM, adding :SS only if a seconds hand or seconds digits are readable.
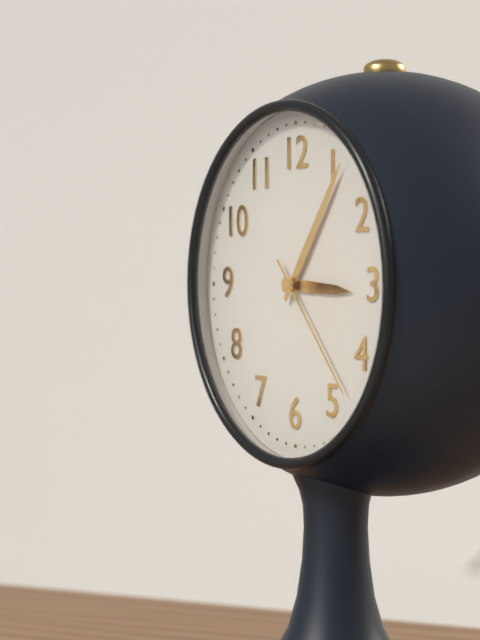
3:06:23
